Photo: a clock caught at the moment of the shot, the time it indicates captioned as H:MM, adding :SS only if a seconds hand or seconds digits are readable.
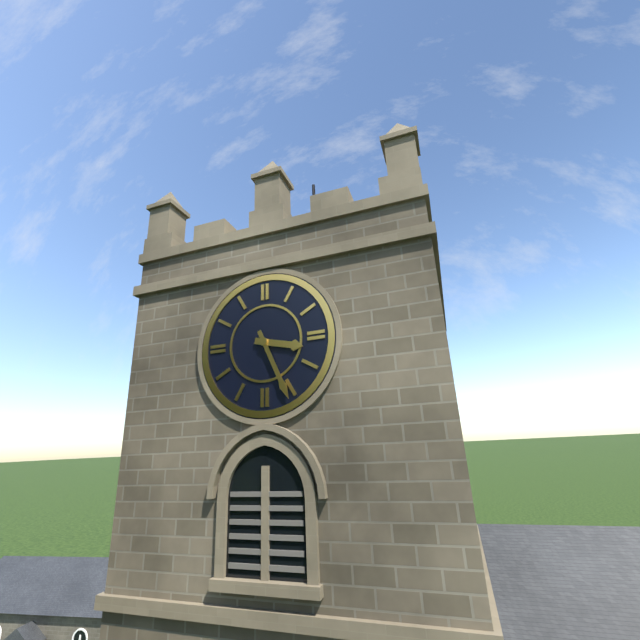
3:26
